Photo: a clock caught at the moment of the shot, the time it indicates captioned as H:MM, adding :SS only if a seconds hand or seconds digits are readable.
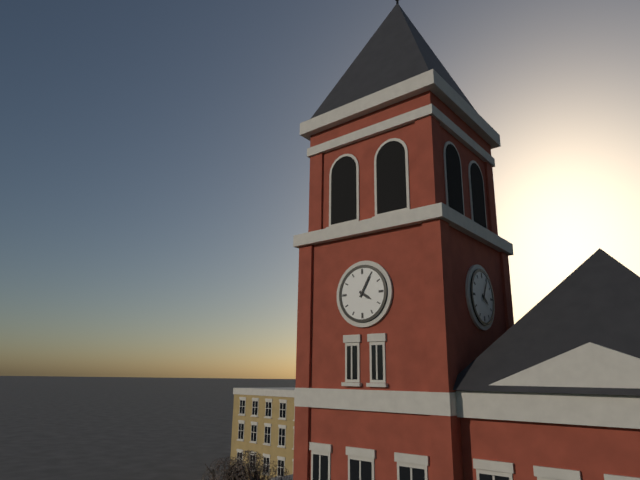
4:05
